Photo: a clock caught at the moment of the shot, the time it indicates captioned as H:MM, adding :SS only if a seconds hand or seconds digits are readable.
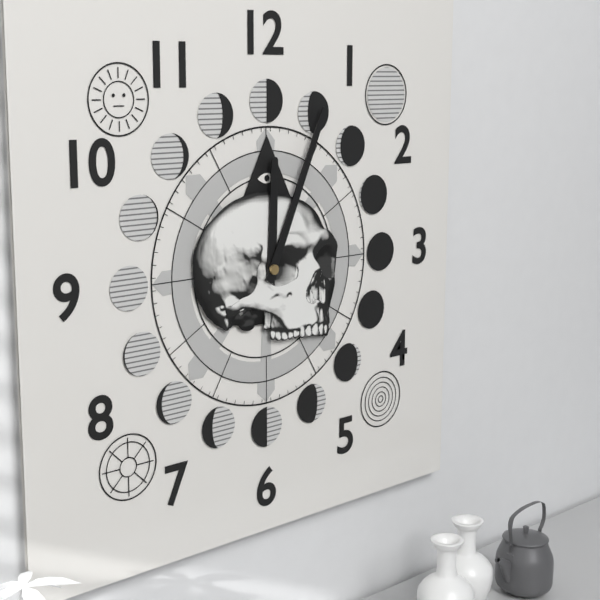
12:04
